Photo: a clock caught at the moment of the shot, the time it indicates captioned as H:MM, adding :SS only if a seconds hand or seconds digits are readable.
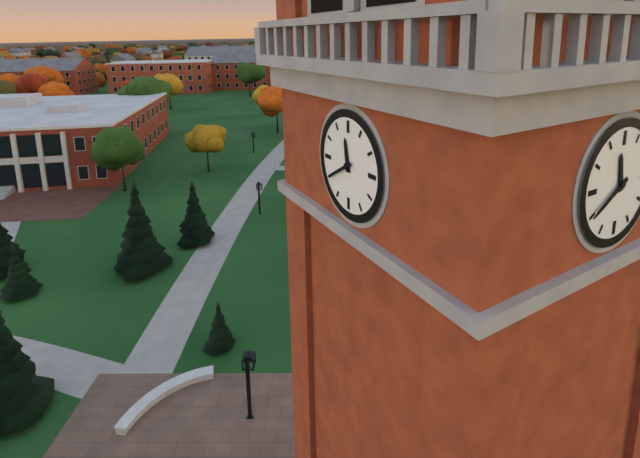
11:40
